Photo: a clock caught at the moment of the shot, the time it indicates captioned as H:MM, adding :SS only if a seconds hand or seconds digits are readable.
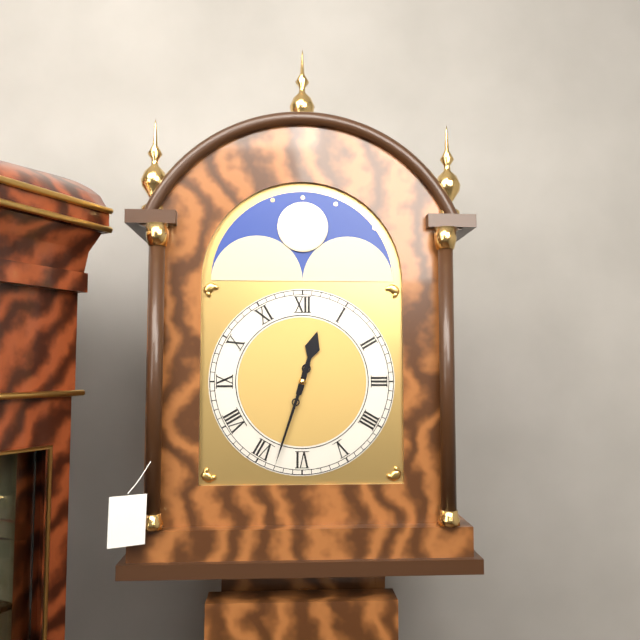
12:33
